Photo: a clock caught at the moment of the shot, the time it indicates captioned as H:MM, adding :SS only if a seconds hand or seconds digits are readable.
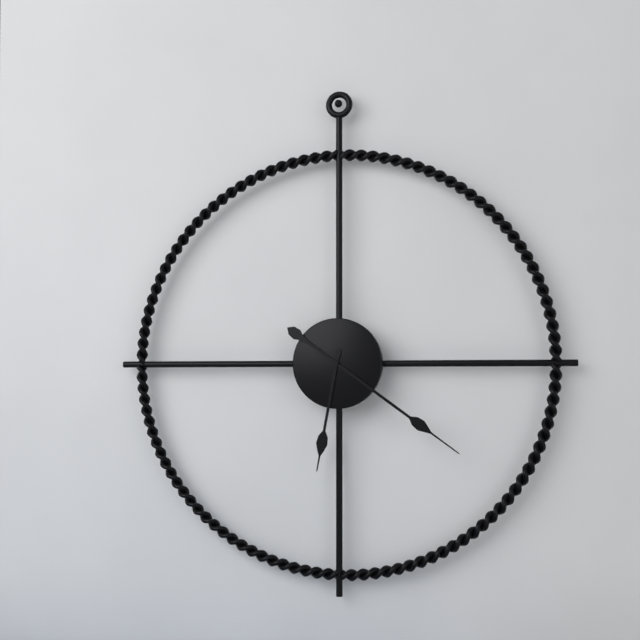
6:21
